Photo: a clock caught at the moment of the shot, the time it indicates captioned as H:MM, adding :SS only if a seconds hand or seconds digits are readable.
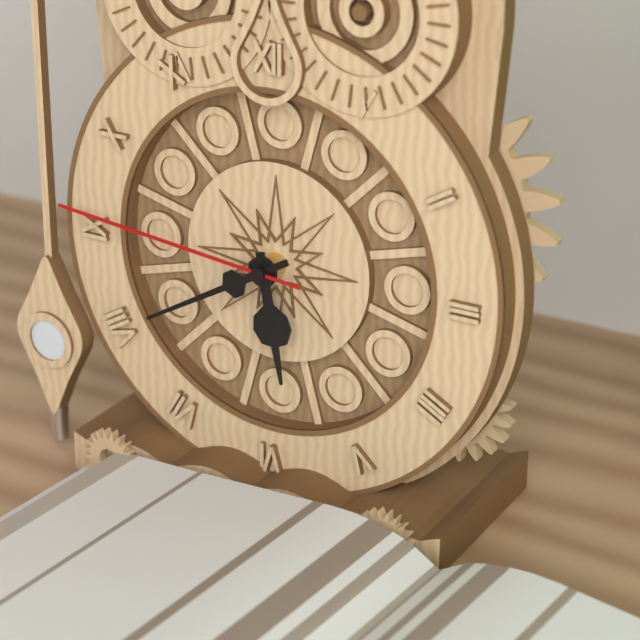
5:40:46
